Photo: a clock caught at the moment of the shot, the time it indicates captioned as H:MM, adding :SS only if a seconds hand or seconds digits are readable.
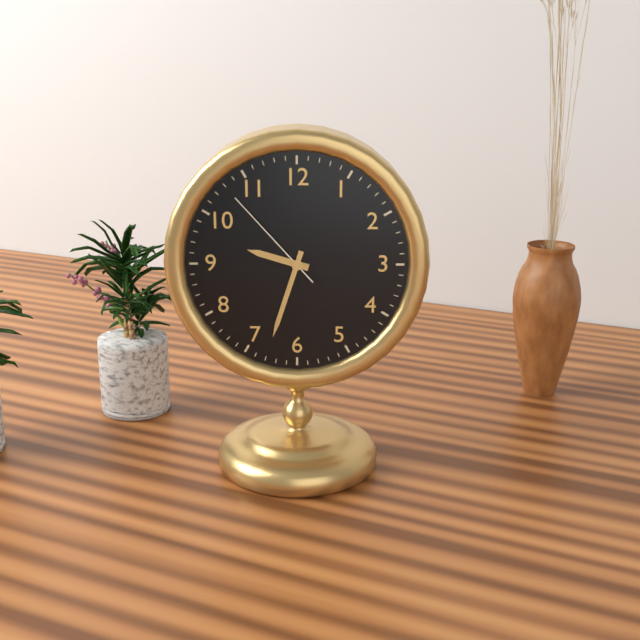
9:33:53
